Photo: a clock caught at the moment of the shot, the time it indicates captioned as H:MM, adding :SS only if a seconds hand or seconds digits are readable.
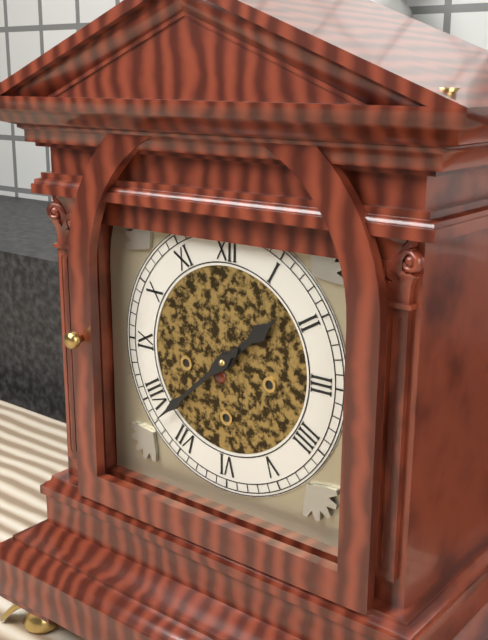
1:38
